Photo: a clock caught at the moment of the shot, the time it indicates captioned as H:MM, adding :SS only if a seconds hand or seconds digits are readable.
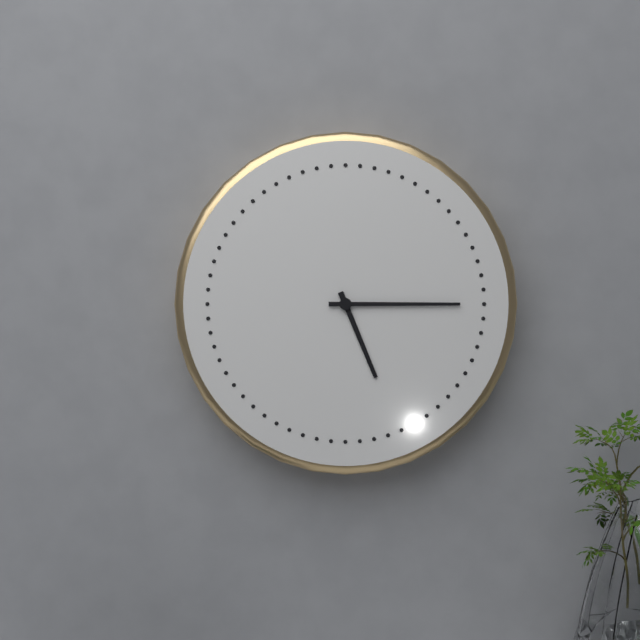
5:15
